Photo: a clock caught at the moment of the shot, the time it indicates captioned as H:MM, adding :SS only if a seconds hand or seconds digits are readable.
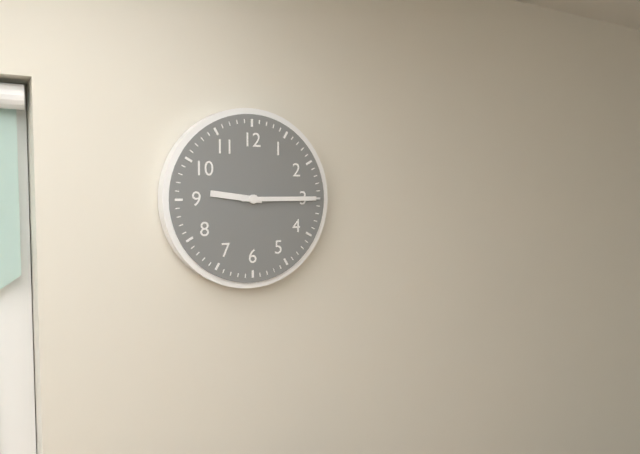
9:15
